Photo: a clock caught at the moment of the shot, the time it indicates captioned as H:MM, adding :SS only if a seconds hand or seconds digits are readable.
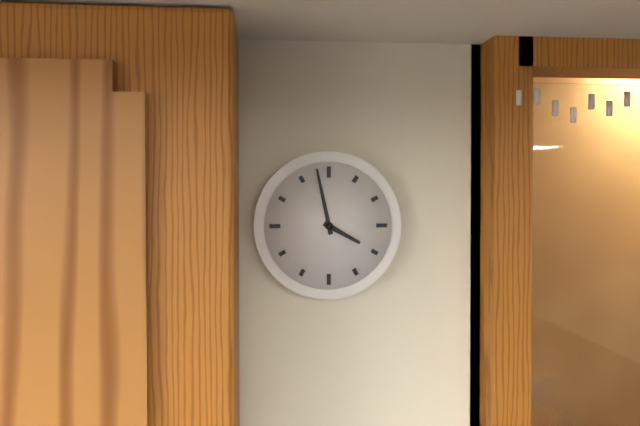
3:58
